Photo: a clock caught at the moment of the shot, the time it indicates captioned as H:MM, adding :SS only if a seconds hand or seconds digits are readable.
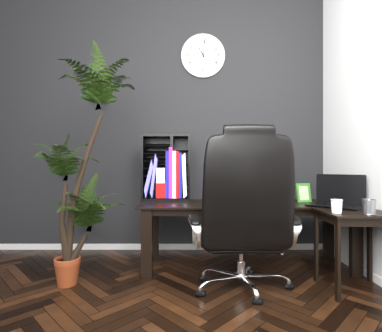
11:01
